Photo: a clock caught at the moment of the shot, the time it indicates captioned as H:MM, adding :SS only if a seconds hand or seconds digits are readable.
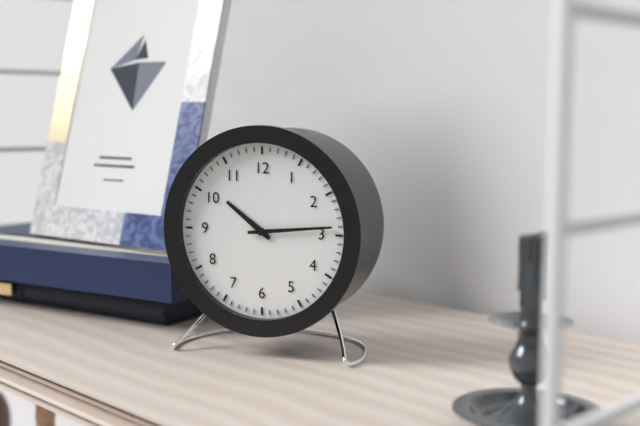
10:14
